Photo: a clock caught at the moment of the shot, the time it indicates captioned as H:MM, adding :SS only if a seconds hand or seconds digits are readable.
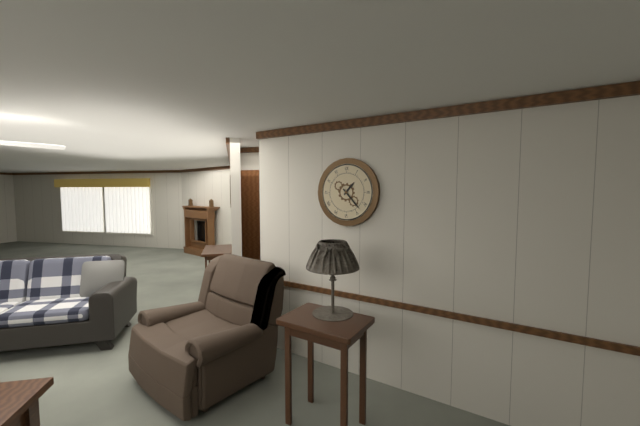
1:23
